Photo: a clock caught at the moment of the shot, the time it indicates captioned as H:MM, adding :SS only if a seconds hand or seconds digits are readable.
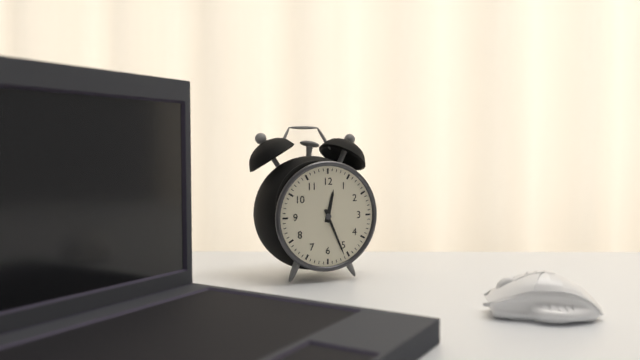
12:26
